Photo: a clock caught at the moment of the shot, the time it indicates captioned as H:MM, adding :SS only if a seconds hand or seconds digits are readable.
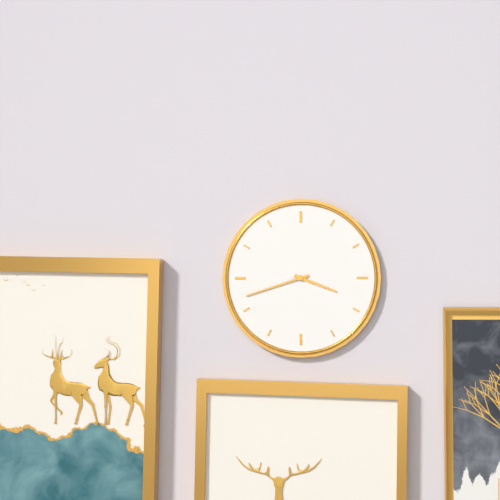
3:42
